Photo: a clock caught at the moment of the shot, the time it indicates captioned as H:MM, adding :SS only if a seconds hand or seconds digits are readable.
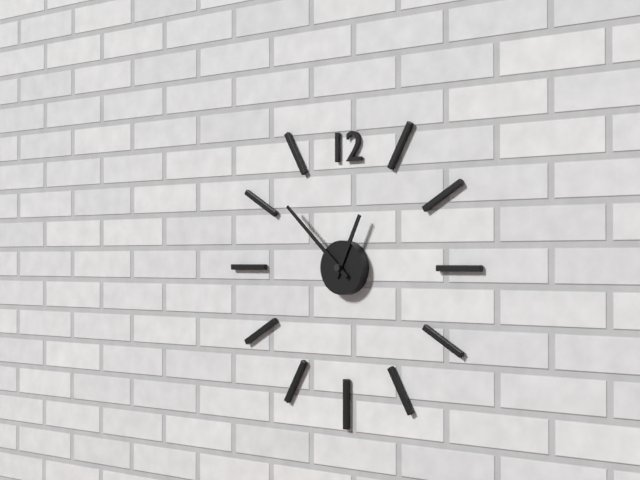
12:52
